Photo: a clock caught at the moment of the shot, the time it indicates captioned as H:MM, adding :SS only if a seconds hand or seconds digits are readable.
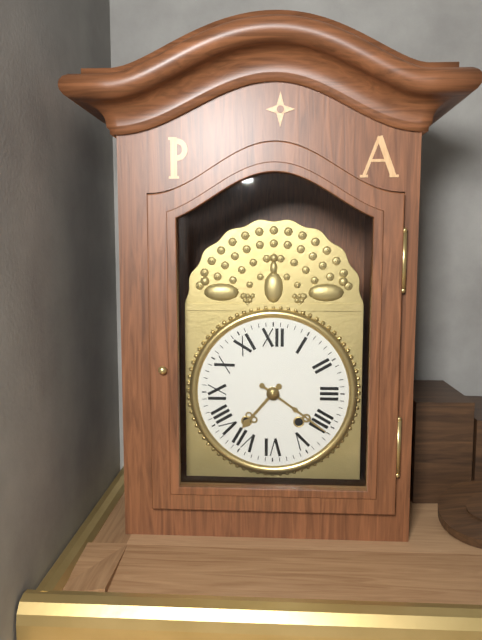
7:21
